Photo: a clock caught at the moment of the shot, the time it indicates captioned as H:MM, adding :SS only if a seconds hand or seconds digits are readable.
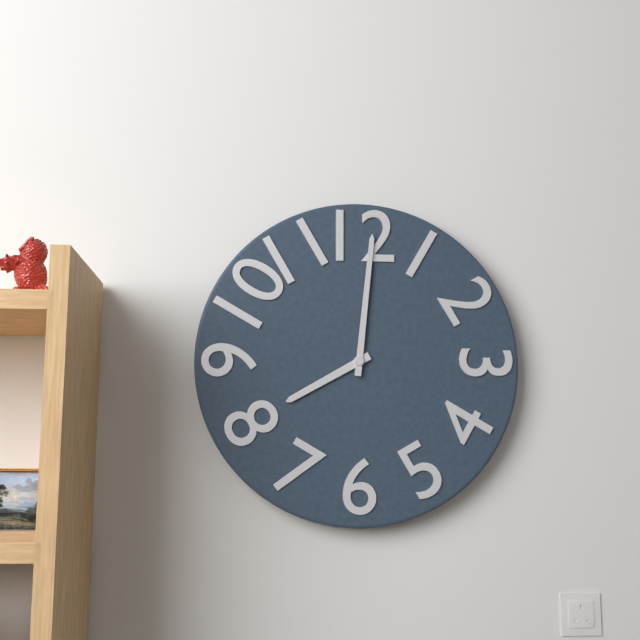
8:01
